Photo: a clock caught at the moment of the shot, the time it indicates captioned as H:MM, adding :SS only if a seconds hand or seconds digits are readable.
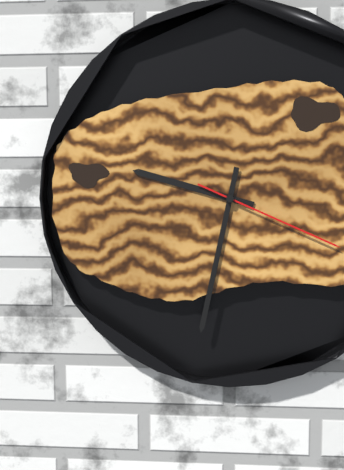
9:32:19
